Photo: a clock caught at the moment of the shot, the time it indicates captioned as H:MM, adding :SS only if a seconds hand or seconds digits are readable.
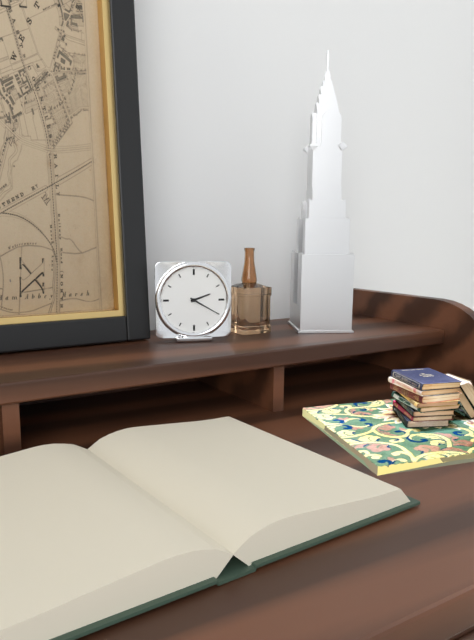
2:20
